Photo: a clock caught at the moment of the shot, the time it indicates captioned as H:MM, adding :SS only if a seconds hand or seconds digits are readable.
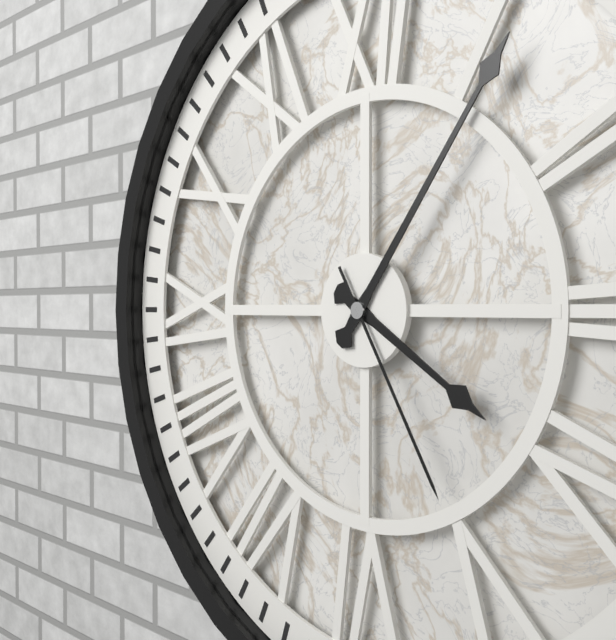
4:06:25
